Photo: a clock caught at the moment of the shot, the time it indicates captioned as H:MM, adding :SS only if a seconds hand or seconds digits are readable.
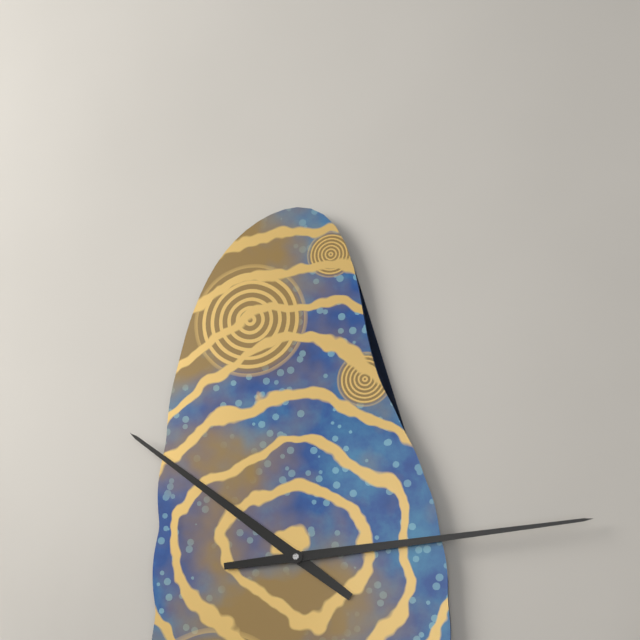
10:14
